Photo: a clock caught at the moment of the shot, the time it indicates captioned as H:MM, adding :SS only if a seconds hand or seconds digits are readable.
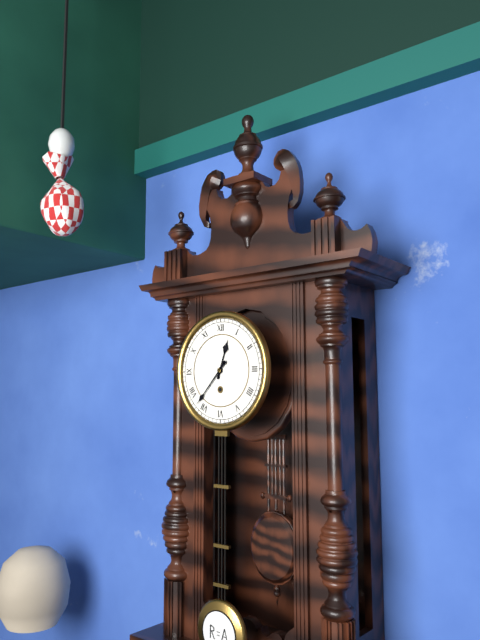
12:37
